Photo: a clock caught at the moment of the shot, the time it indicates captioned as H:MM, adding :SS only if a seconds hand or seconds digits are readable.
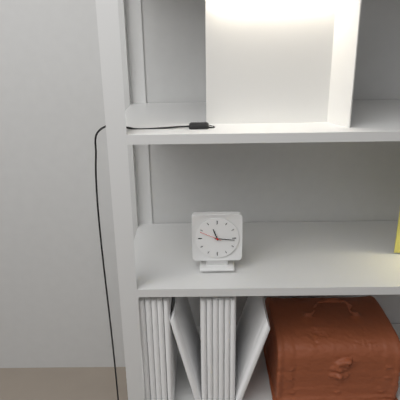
11:16
